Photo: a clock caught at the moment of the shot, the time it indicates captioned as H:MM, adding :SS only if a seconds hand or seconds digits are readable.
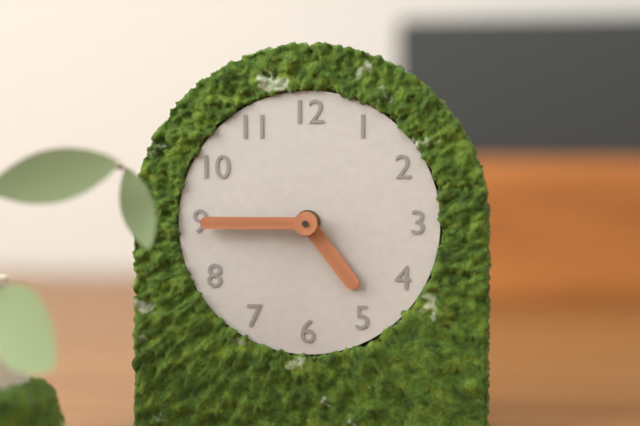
4:45
